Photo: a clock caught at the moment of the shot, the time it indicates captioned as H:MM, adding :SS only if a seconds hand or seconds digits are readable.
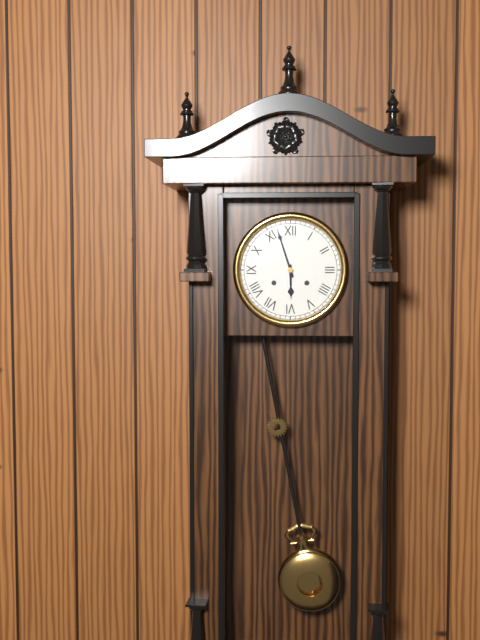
5:57
